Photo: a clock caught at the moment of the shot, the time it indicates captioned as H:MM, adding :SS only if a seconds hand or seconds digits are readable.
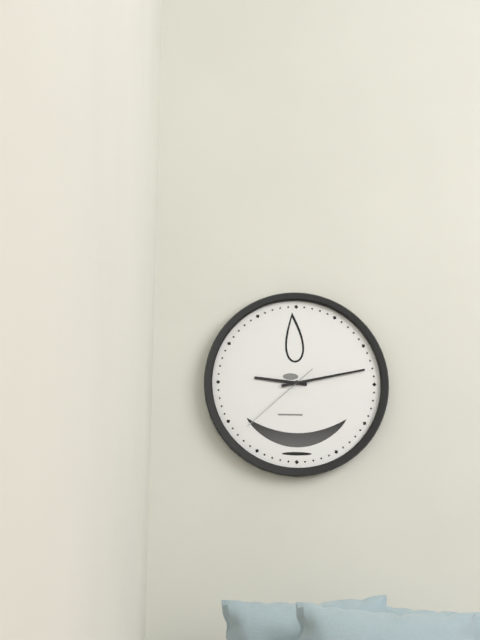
9:13:38
